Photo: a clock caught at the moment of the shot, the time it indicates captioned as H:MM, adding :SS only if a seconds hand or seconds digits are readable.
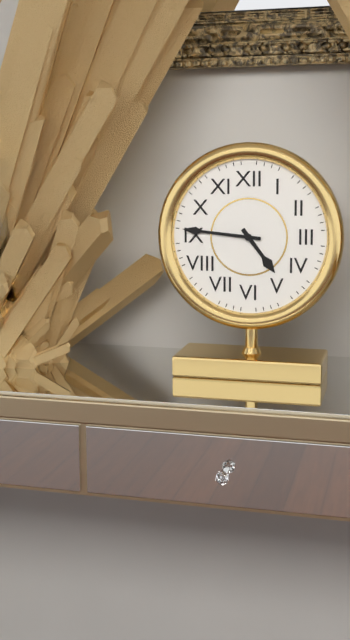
4:46
